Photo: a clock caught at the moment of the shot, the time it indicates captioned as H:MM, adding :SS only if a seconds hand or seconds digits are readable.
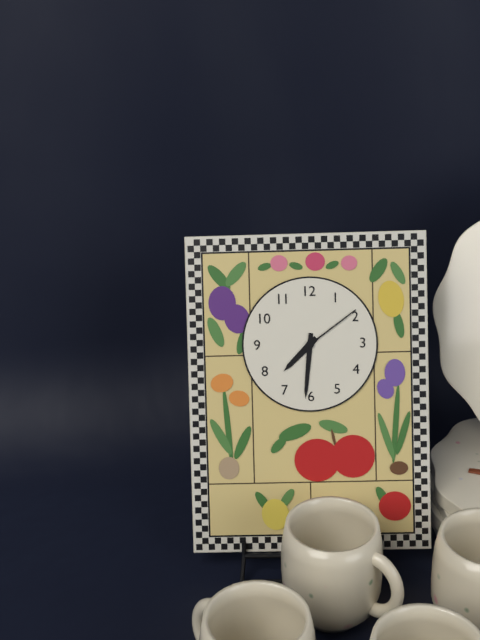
7:31:09
